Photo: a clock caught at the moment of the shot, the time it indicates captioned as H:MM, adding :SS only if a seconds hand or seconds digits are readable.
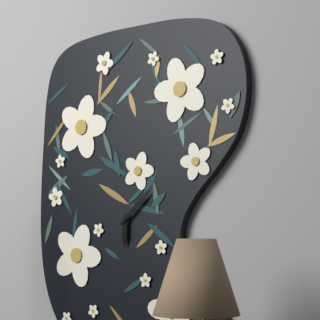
6:08
